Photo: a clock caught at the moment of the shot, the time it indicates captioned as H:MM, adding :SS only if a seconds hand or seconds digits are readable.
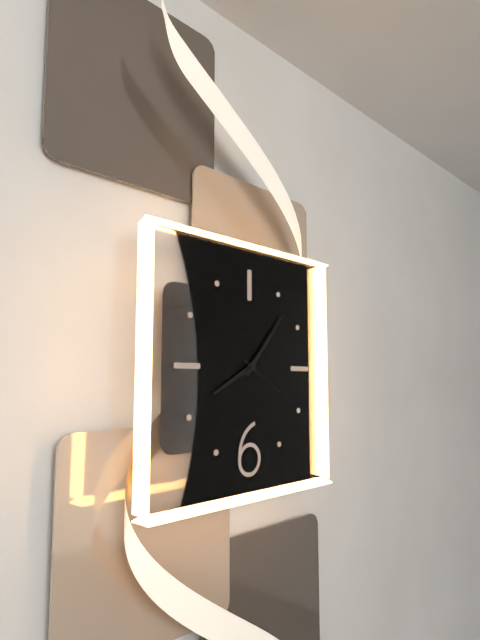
8:07
